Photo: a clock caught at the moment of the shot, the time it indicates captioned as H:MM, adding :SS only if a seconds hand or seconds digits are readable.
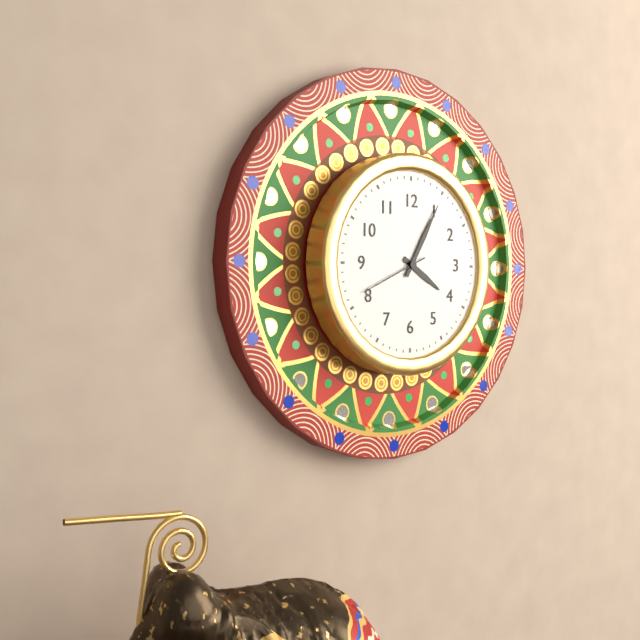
4:05:41
